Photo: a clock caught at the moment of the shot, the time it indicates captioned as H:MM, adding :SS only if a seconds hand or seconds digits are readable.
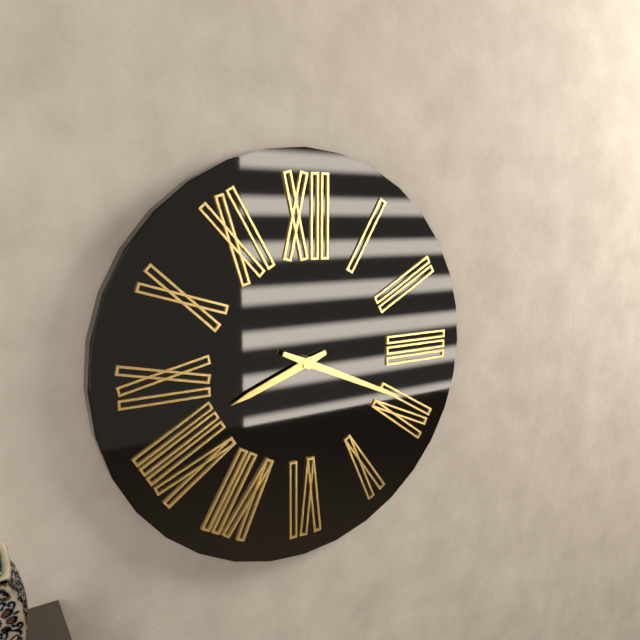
8:19
